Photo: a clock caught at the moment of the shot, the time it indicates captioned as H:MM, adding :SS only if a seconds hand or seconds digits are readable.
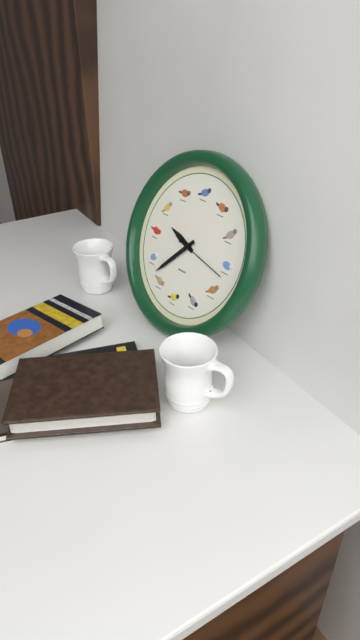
9:37:17
